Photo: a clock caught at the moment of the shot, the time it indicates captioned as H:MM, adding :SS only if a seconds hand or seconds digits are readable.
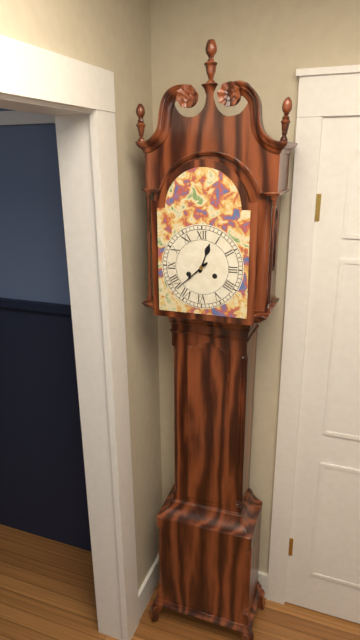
12:38
